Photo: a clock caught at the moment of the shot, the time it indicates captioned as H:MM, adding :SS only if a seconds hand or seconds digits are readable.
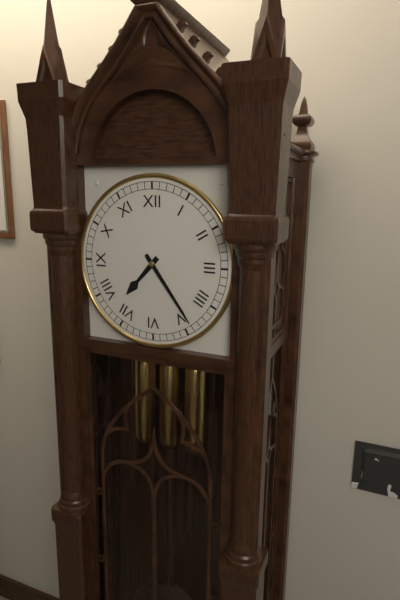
7:24
